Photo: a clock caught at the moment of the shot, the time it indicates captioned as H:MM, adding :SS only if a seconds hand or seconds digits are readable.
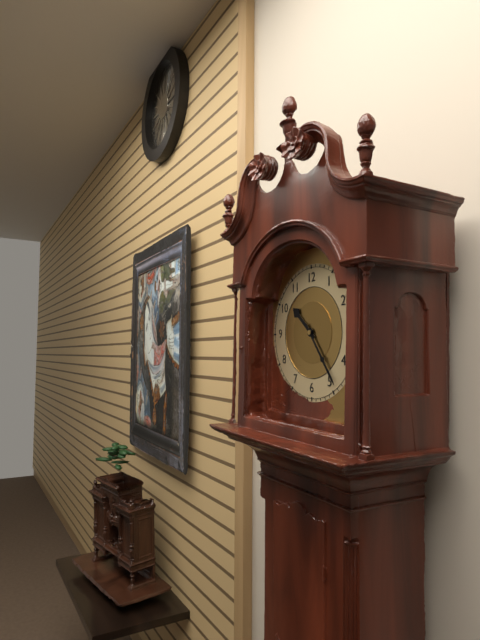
10:24
